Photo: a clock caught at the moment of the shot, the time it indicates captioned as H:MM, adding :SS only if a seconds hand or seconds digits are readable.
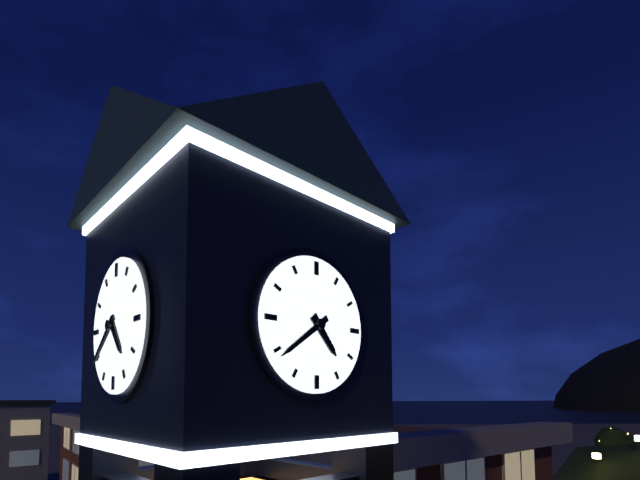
4:39
